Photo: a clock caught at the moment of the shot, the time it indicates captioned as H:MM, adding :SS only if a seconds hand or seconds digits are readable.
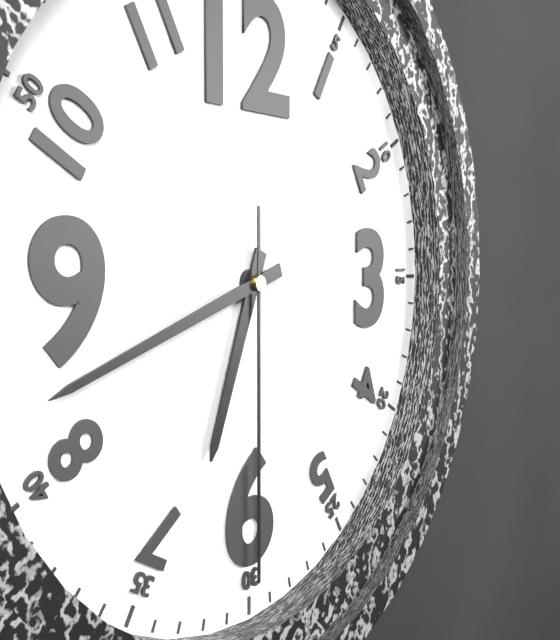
6:42:30
